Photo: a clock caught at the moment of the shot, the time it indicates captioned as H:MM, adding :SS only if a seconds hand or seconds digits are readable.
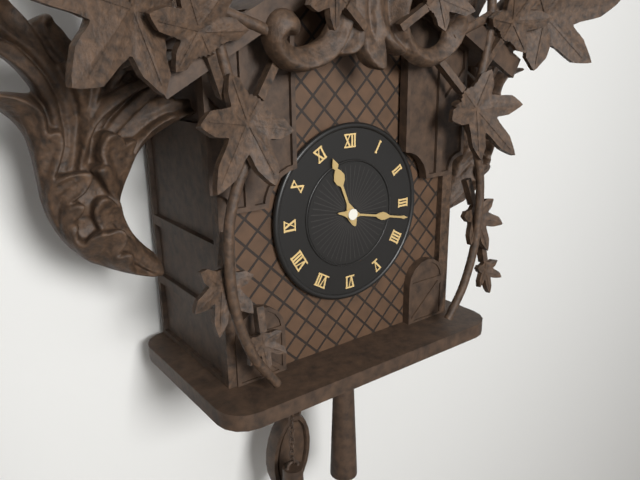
11:17
